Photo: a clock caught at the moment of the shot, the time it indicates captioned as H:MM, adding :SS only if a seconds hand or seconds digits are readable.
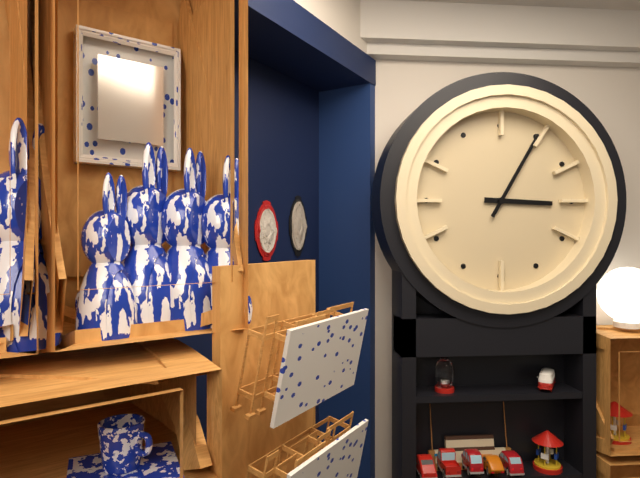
3:05
